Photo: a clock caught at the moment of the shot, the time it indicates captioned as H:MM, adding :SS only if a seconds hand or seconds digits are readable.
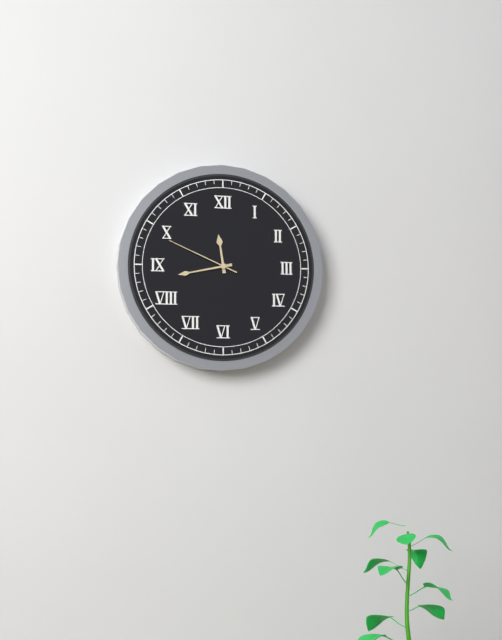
11:43:49
